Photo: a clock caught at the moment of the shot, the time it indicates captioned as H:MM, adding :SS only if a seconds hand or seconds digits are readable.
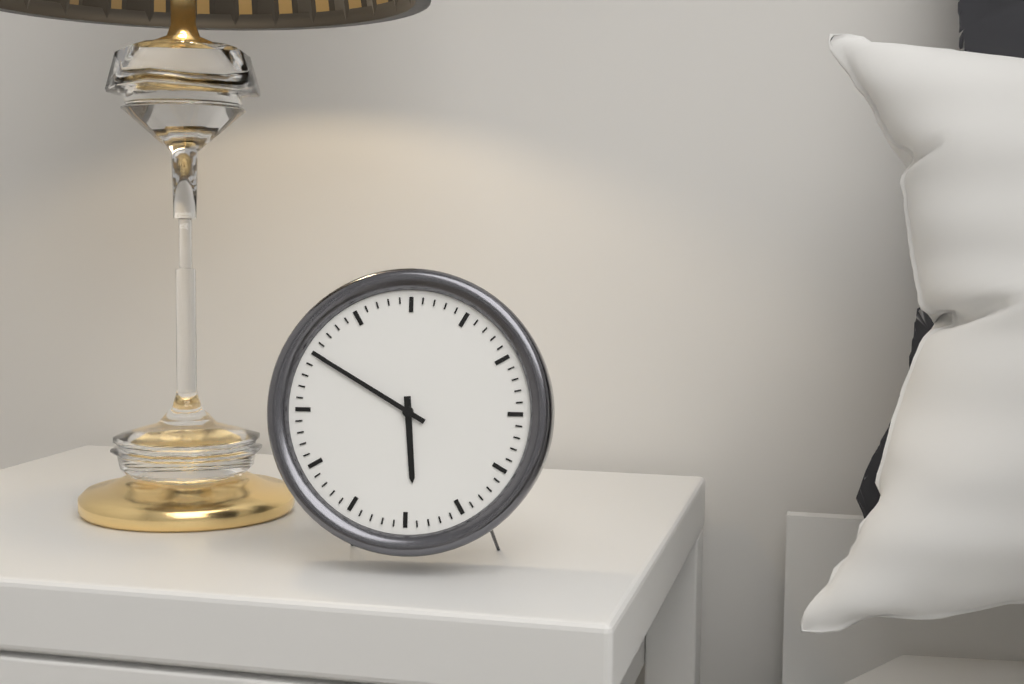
5:50
